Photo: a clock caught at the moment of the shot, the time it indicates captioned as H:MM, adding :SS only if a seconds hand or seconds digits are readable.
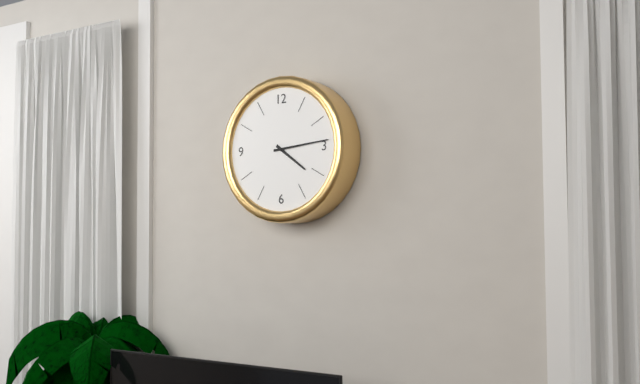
4:14
